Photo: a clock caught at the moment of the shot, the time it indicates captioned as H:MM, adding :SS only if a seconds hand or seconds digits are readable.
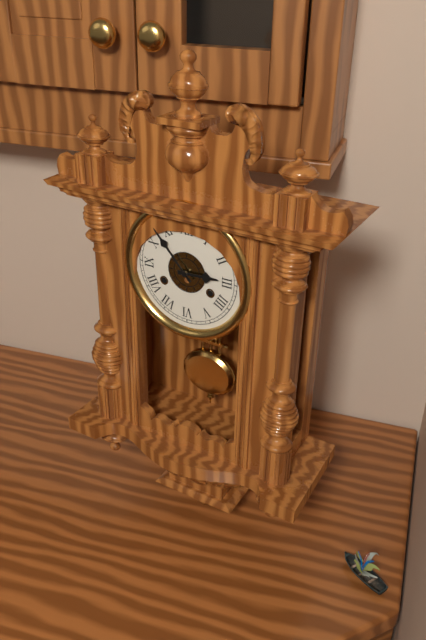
2:53
